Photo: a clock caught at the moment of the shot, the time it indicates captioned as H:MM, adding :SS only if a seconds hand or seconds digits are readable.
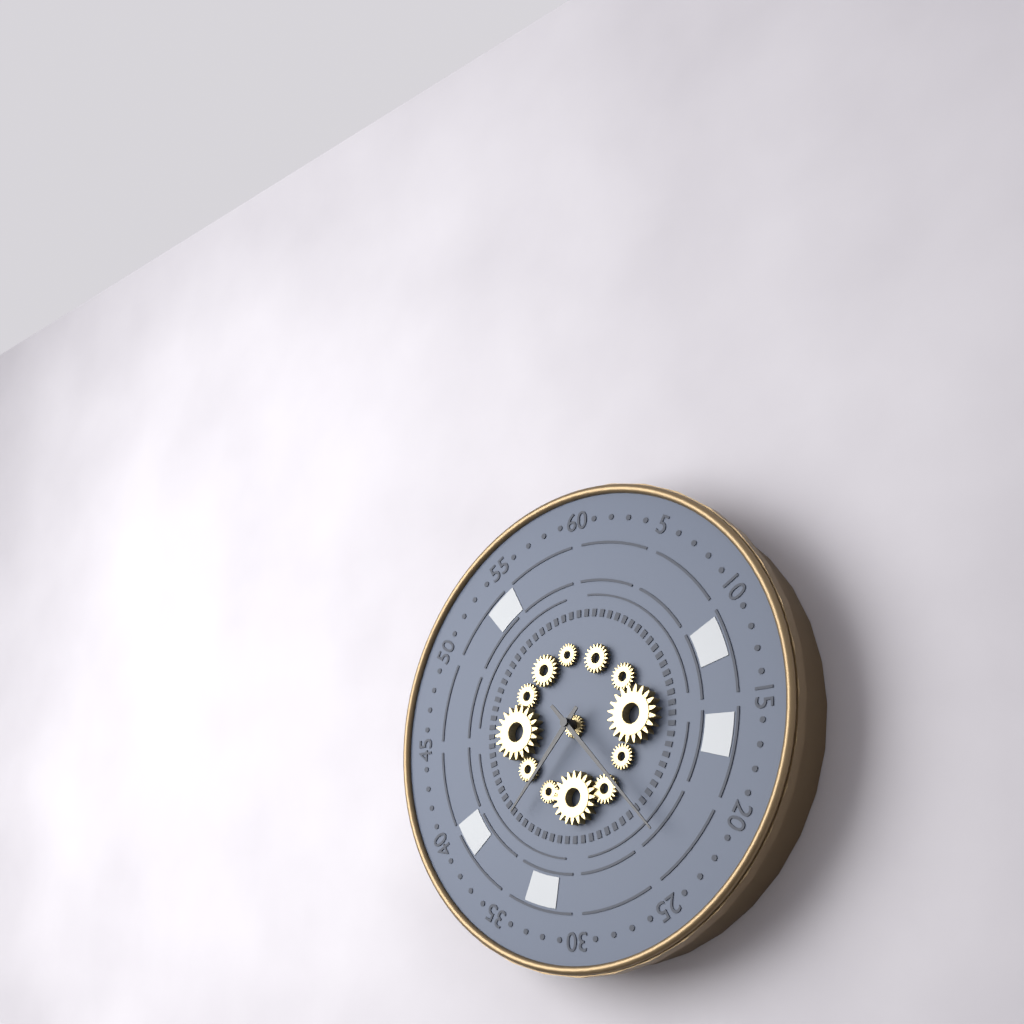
7:23
